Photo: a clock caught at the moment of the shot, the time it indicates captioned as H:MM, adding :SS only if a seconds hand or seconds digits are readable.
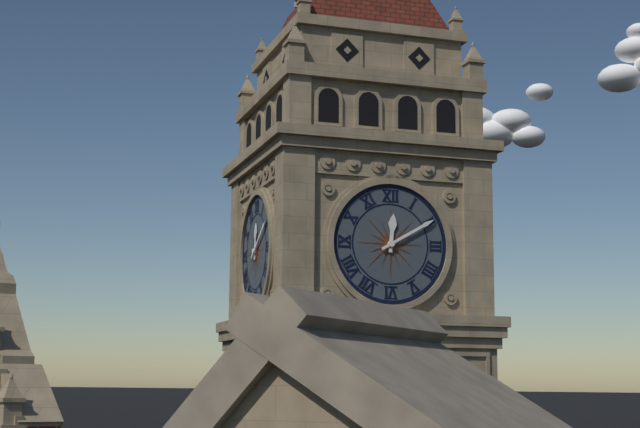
12:10
